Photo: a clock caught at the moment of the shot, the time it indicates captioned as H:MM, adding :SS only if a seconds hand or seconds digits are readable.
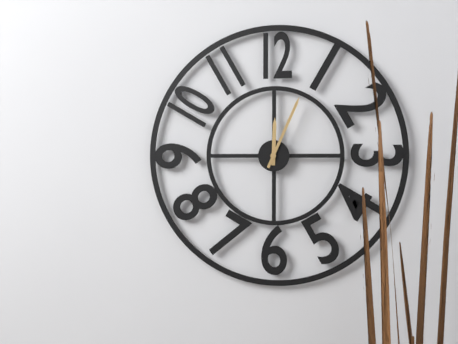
12:04
